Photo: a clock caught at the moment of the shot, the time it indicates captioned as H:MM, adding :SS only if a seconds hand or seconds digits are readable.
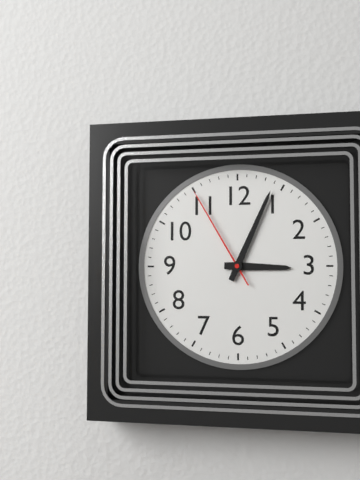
3:04:55
